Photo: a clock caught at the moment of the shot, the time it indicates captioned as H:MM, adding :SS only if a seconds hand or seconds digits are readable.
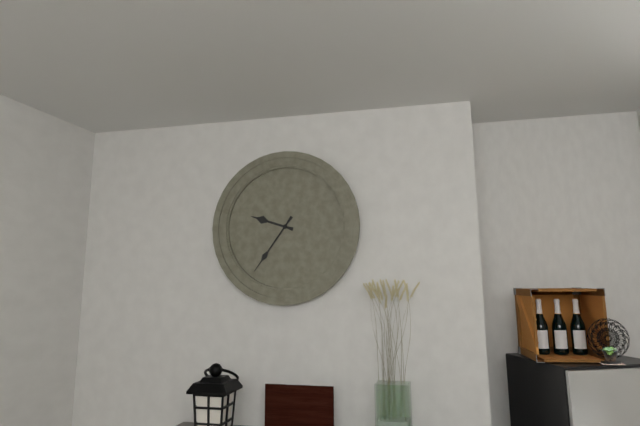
9:36
